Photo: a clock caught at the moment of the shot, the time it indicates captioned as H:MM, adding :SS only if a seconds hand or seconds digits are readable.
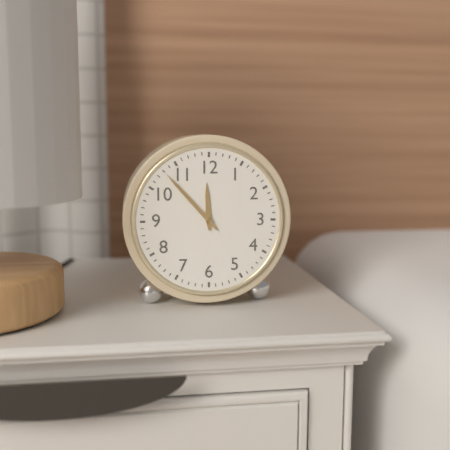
11:53
